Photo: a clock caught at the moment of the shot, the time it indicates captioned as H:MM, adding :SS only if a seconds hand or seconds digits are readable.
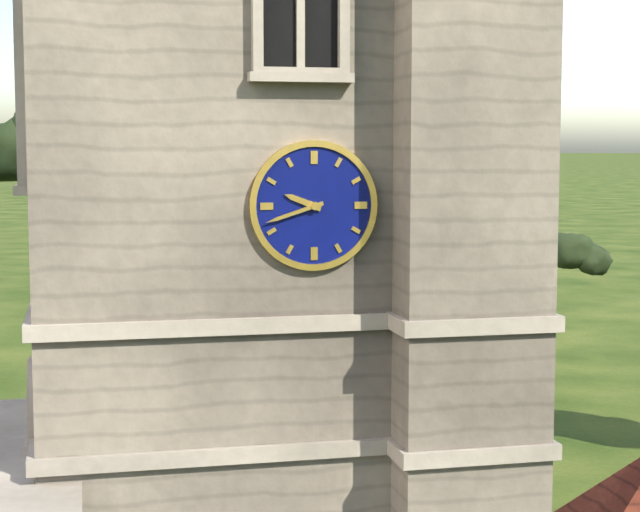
9:42
